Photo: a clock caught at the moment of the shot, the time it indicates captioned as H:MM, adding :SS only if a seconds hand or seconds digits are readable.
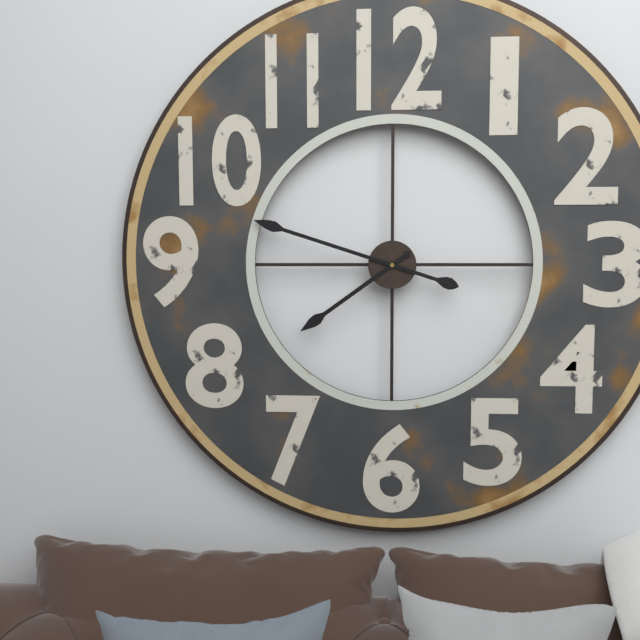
7:48
